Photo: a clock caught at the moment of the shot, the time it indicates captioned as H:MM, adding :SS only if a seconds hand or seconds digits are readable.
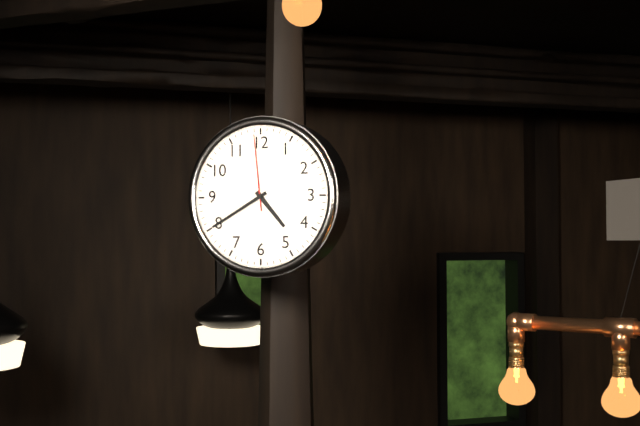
4:40:59
